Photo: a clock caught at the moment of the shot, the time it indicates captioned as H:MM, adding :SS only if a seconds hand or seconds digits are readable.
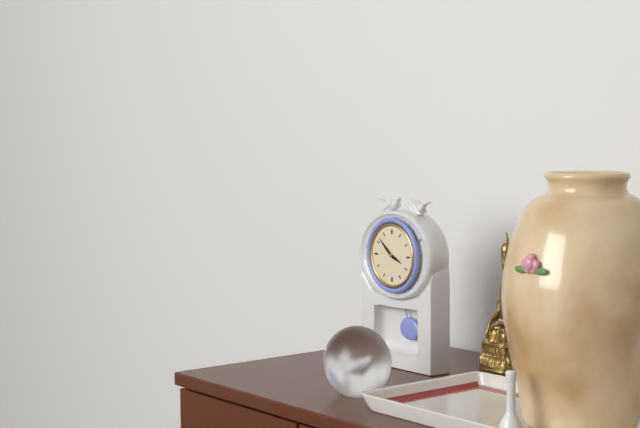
3:52
